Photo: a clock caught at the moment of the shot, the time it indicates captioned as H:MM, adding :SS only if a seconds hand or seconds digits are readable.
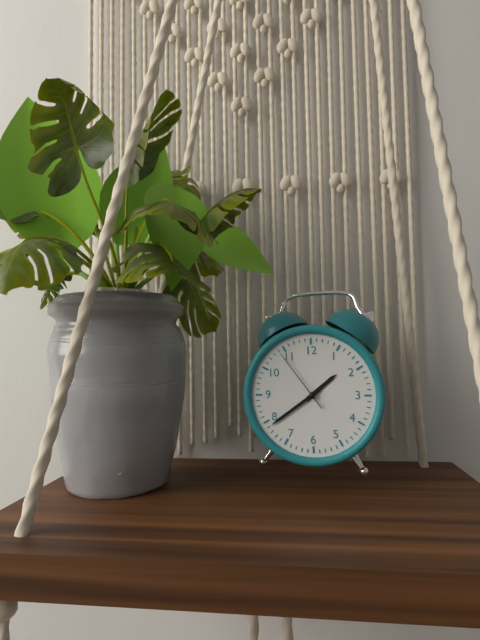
1:39:54
